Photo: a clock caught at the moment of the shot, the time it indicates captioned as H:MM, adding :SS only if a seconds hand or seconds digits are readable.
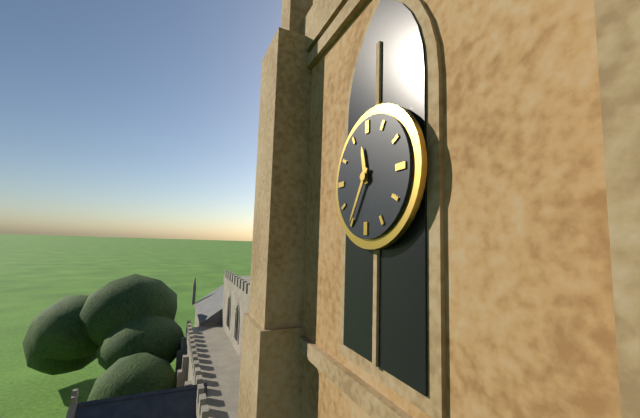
11:35
